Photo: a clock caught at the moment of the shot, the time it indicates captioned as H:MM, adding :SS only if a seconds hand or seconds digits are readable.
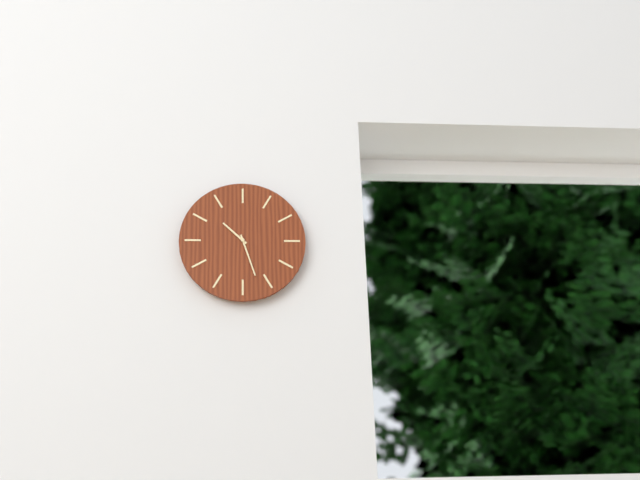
10:27
